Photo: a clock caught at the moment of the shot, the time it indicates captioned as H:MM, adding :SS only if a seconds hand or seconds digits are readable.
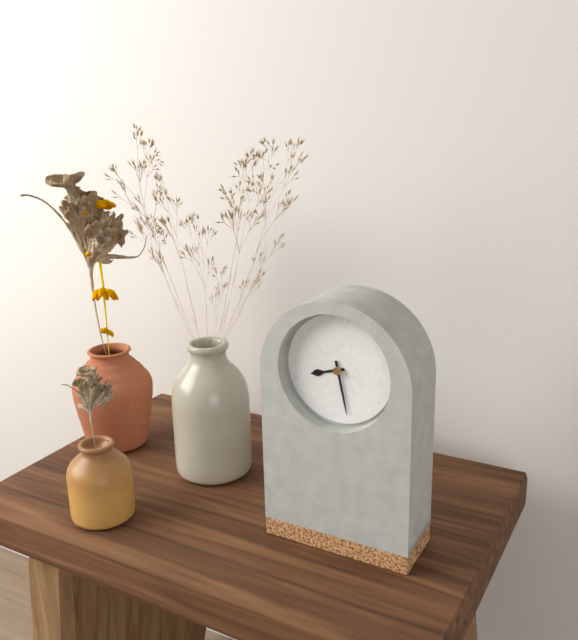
8:28
